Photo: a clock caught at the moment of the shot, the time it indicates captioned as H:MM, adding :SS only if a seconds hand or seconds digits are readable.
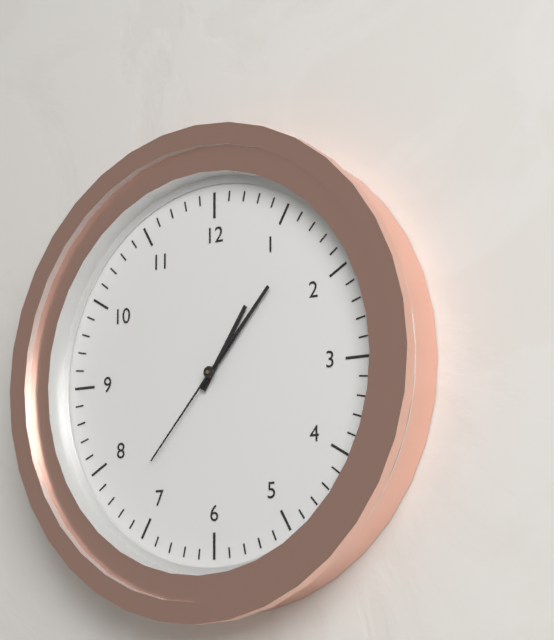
1:07:37
